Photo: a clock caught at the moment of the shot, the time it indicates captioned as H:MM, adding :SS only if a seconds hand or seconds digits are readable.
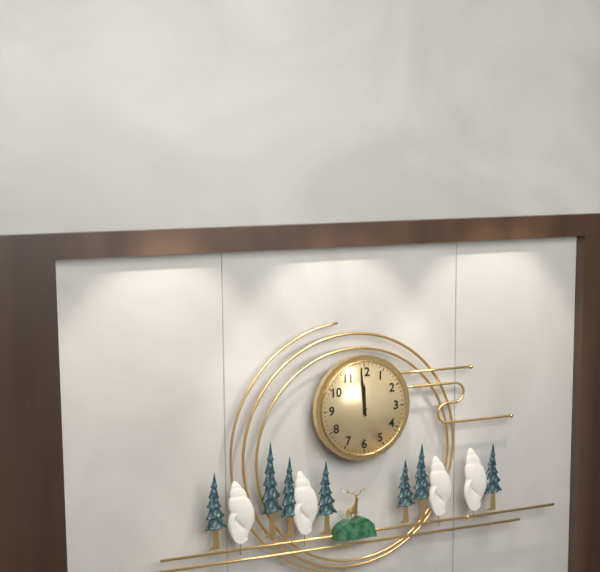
11:59
